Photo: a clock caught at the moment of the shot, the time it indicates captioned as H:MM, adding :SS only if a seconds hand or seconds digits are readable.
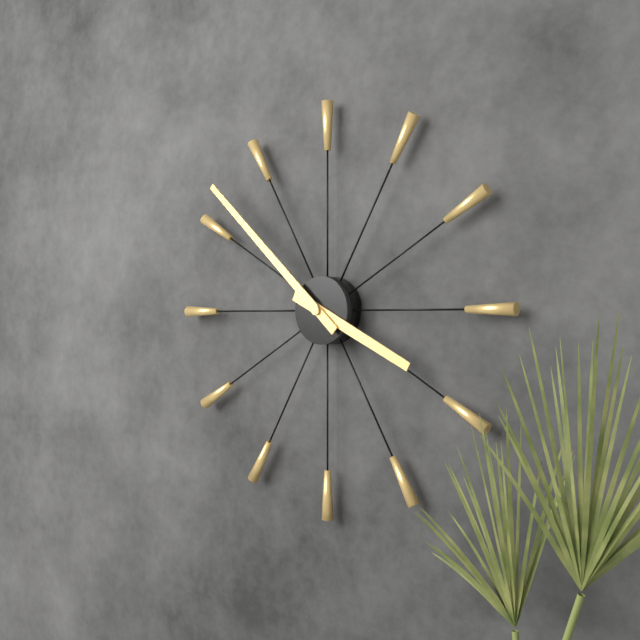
3:52
